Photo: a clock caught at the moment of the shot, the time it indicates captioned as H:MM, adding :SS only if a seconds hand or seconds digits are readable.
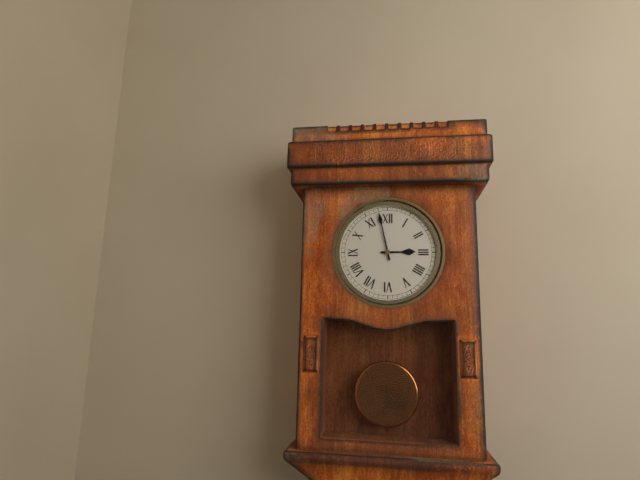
2:58
